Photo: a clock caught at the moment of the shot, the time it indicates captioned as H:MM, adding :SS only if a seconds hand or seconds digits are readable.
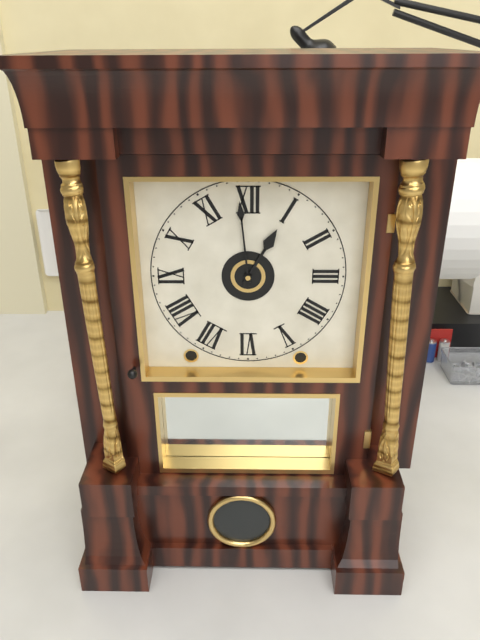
12:59
